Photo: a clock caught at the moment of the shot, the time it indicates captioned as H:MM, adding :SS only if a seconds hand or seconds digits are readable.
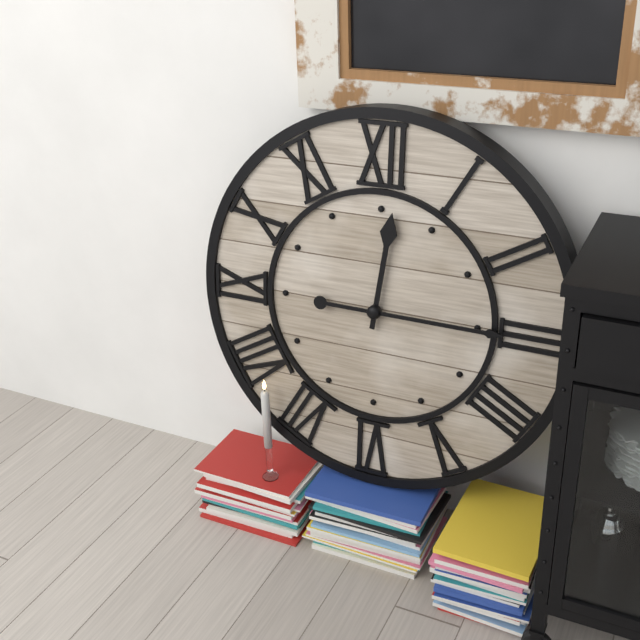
12:15
